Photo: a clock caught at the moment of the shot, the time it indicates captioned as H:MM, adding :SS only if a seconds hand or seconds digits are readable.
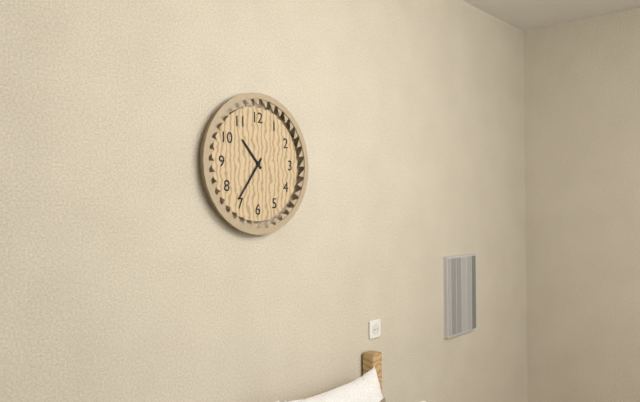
10:36
